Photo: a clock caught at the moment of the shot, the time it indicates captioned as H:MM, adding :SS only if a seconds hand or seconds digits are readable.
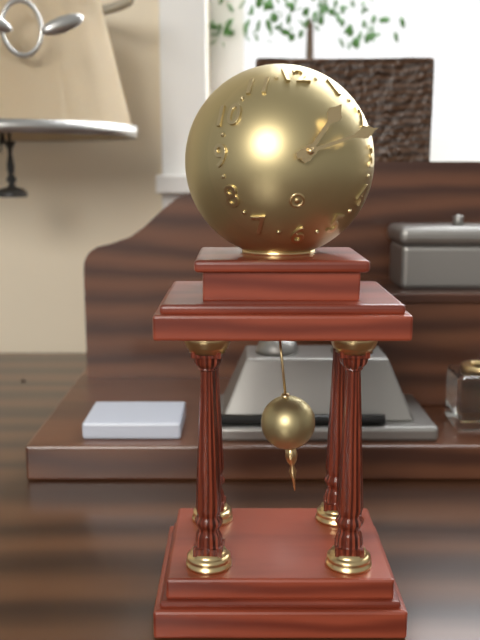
1:12
